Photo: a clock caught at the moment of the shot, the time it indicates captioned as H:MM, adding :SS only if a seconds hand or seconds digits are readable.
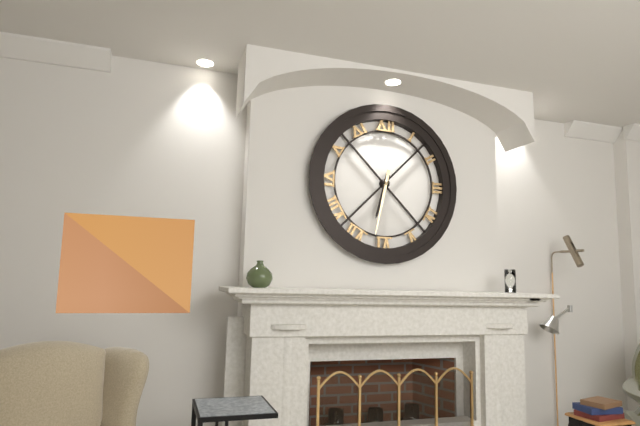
6:32
